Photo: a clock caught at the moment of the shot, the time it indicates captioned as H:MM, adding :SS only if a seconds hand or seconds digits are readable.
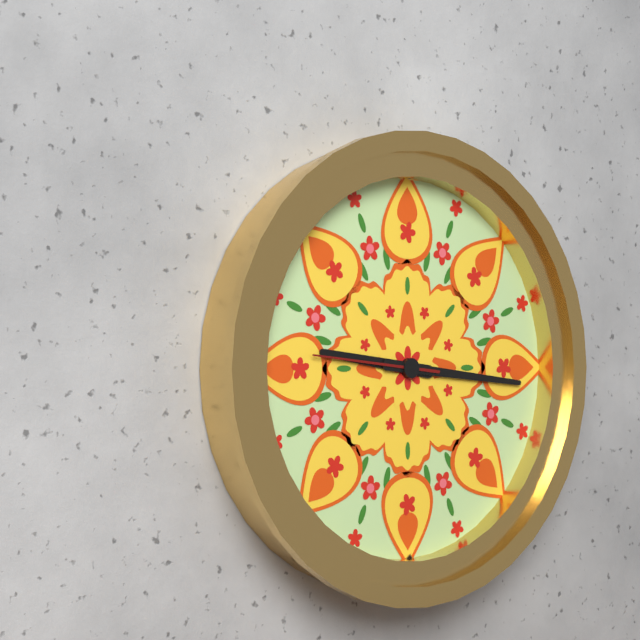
9:16:46
